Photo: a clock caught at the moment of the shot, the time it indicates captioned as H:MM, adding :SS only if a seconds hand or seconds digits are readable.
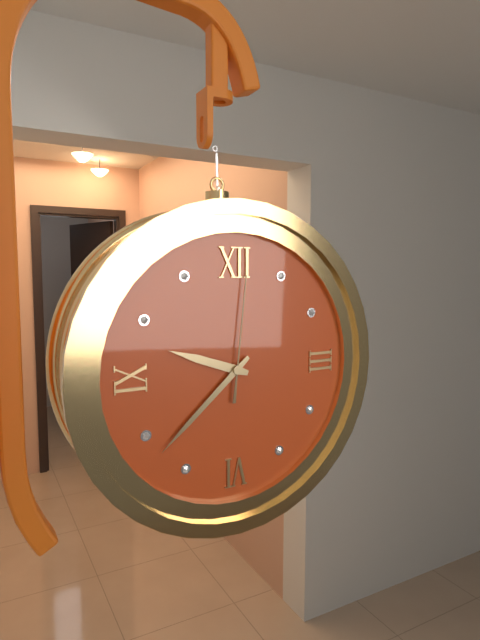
9:38:01
